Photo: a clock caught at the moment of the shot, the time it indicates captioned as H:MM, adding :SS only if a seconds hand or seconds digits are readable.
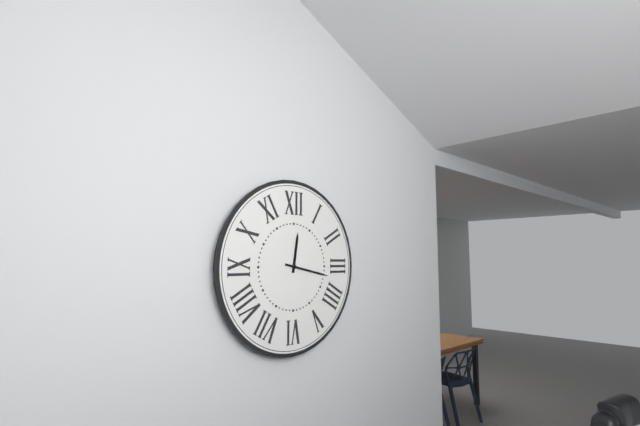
12:17
